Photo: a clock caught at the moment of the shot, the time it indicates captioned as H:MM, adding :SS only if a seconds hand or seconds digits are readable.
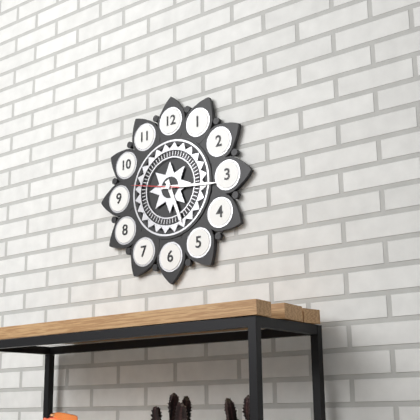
5:16:47
